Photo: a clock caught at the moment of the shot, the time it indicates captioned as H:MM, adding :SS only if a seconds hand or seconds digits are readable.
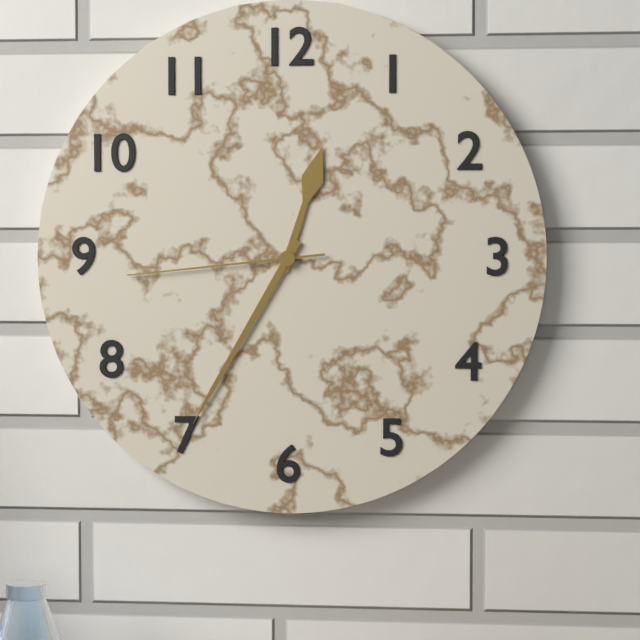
12:35:44
